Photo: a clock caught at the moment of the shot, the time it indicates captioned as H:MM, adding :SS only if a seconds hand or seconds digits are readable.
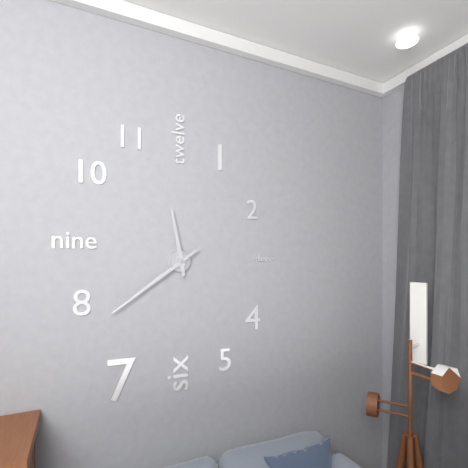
11:39
